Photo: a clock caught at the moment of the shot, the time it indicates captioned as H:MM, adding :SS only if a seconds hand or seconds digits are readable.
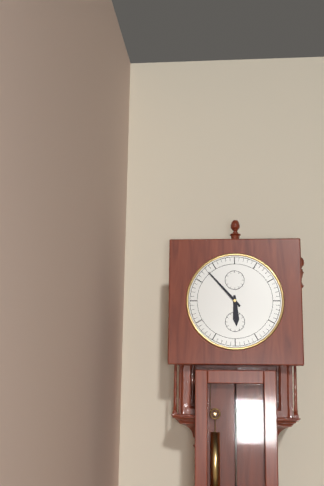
5:53
